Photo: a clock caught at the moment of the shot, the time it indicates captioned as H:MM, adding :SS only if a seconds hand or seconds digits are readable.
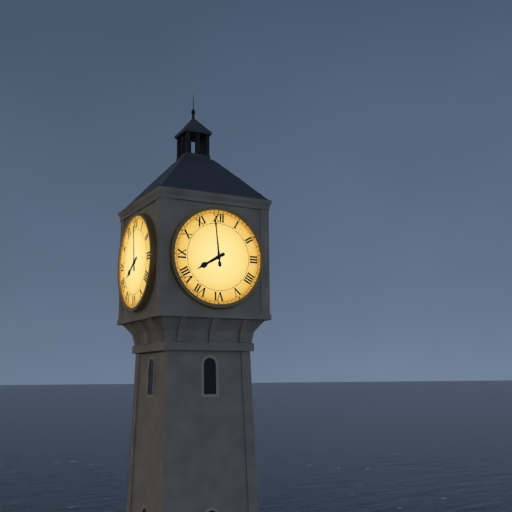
7:59
